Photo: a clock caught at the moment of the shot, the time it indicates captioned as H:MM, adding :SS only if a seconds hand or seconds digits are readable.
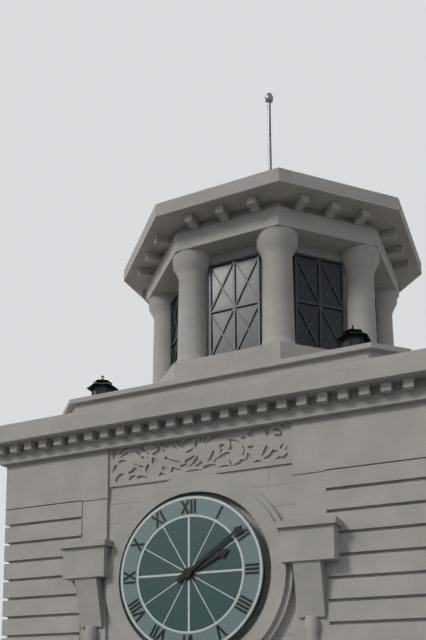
2:09
